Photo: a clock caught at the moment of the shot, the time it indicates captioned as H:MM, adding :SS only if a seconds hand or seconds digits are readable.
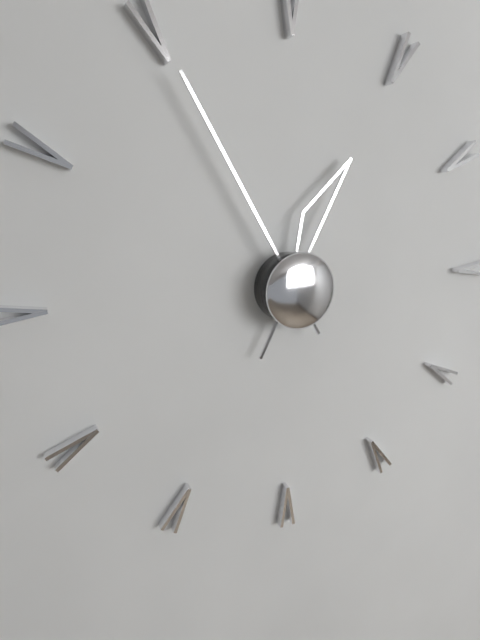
12:55
